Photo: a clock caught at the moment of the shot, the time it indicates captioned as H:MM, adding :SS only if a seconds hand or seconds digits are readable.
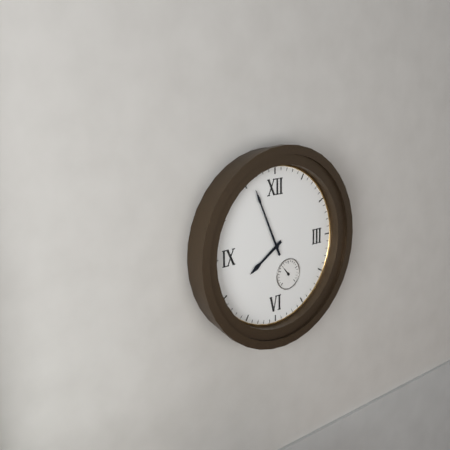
7:56
